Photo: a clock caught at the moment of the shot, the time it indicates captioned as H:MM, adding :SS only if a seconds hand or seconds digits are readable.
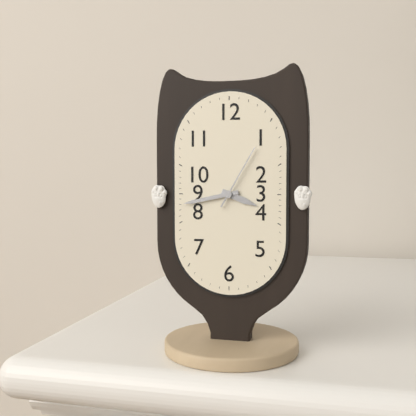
3:43:05
